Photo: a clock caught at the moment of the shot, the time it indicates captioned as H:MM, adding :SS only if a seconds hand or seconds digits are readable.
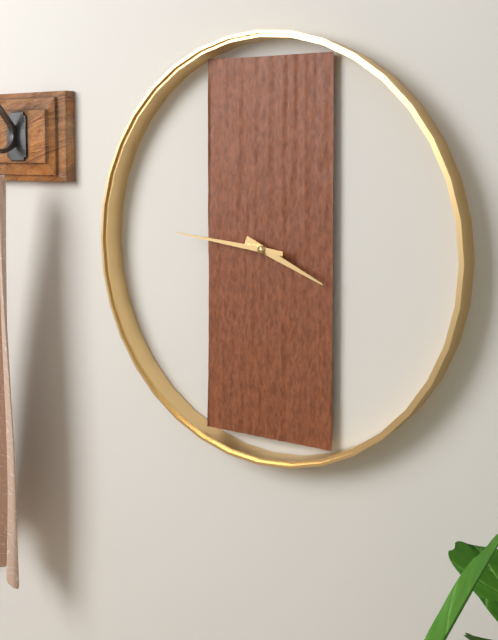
3:46
